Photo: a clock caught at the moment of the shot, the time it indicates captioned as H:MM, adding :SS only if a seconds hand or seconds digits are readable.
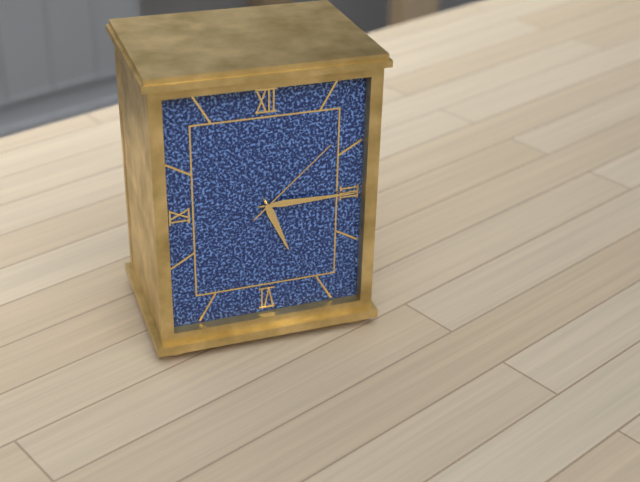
5:15:08
